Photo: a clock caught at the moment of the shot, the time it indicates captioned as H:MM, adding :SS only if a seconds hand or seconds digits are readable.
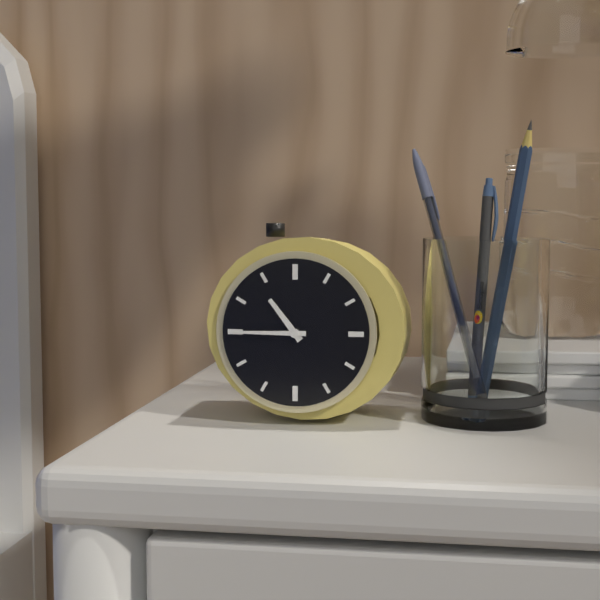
10:45
